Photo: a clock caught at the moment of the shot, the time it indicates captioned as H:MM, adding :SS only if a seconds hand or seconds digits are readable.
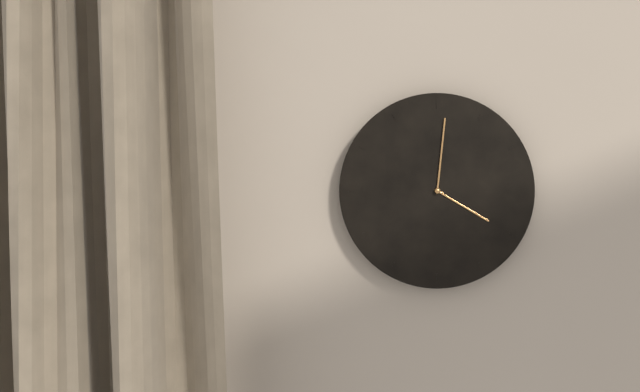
4:01
